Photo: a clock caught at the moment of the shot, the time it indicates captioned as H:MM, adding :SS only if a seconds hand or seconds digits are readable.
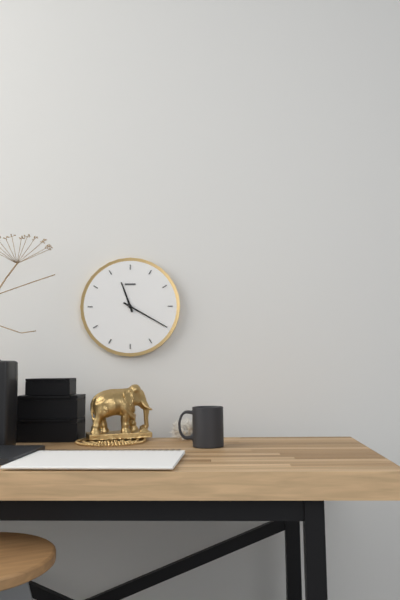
11:20
